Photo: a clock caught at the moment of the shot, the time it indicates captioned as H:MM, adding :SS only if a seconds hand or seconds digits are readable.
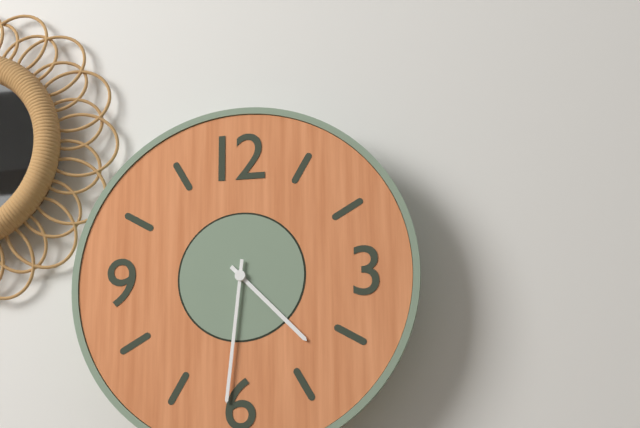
4:31
